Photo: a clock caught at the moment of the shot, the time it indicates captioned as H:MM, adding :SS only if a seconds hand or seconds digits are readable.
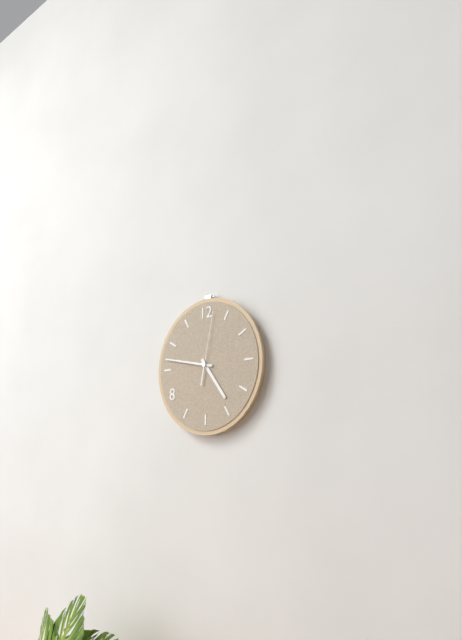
4:47:02
